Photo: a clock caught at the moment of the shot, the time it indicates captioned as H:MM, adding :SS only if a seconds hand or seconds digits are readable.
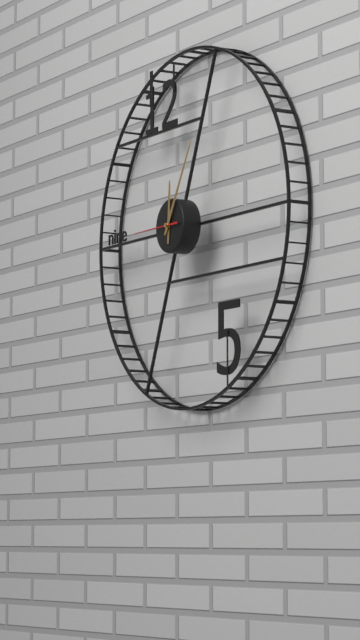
12:05
